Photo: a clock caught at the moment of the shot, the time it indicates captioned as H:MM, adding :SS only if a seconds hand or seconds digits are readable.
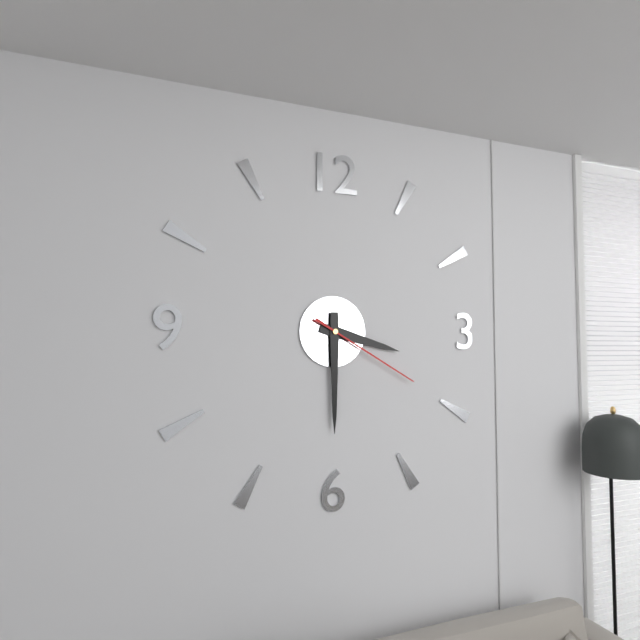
3:30:20
